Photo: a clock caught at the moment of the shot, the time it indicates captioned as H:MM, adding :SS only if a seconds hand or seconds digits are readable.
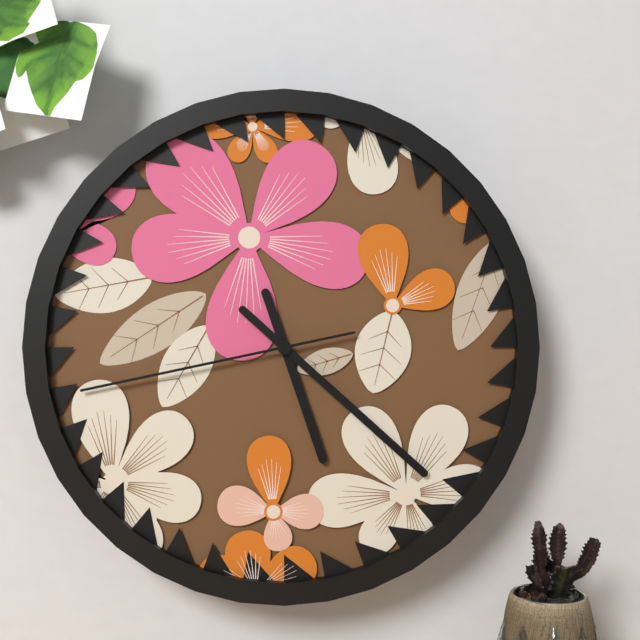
5:22:43
